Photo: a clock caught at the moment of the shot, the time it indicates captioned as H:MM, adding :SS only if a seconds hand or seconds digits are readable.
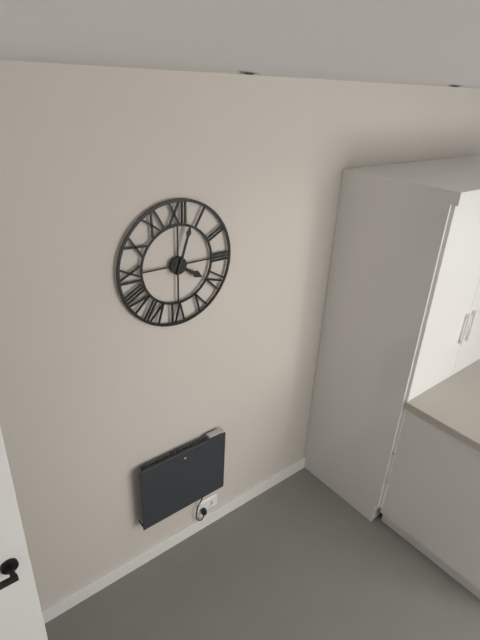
4:03
